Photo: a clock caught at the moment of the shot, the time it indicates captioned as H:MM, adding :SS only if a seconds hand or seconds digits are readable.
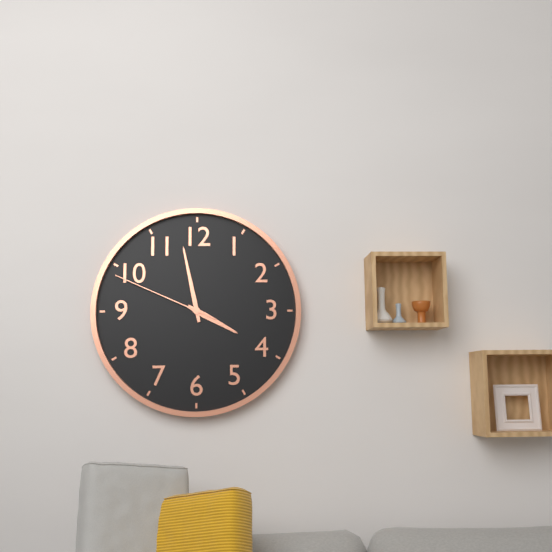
3:58:49
